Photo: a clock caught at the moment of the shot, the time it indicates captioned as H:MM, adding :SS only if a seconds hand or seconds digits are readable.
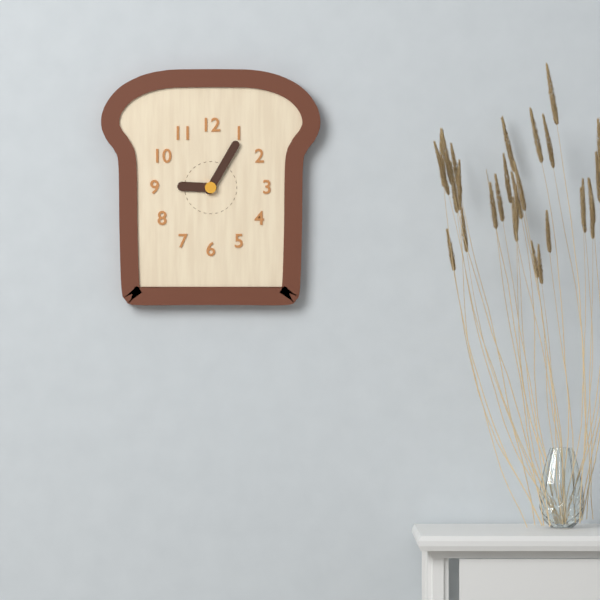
9:05
